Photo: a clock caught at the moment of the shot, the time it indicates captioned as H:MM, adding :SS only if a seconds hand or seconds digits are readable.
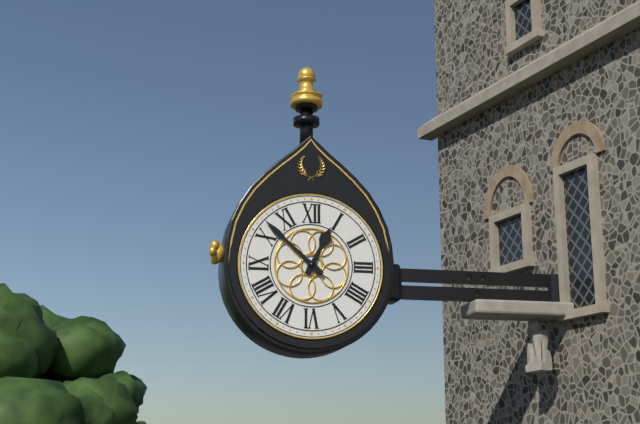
12:52
